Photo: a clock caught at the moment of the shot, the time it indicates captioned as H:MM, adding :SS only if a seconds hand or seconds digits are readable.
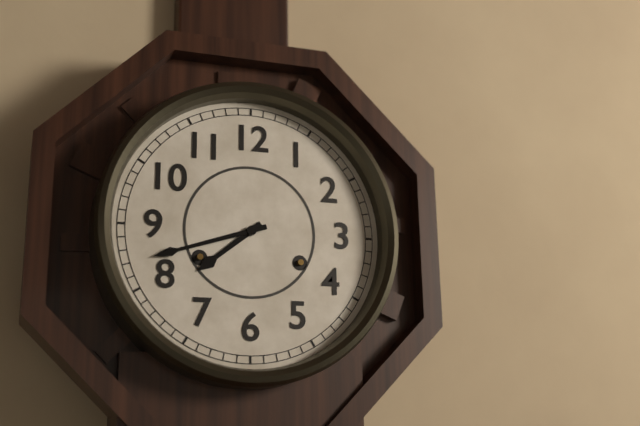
7:42
